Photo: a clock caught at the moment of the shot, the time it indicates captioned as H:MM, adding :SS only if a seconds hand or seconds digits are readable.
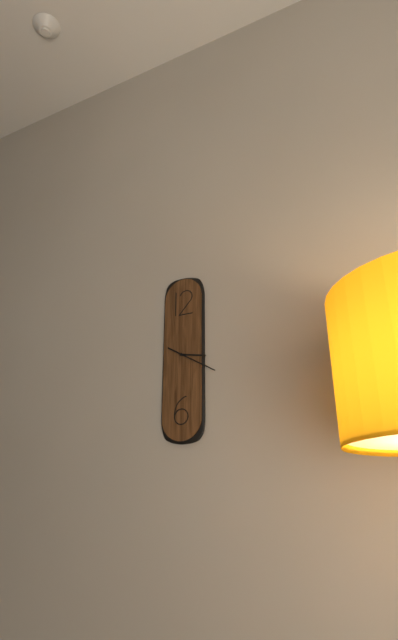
3:20
